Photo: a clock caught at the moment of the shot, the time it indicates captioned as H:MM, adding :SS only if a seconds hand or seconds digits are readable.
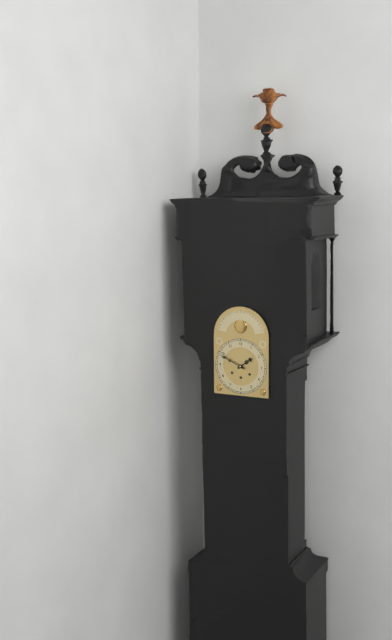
1:49
